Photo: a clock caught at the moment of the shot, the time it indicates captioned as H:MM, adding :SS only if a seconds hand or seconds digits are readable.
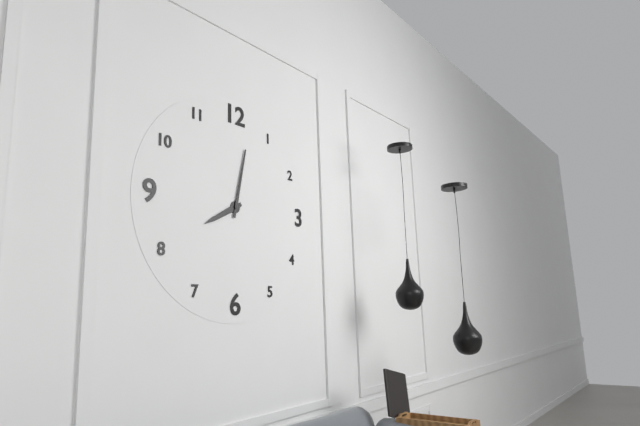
8:02
